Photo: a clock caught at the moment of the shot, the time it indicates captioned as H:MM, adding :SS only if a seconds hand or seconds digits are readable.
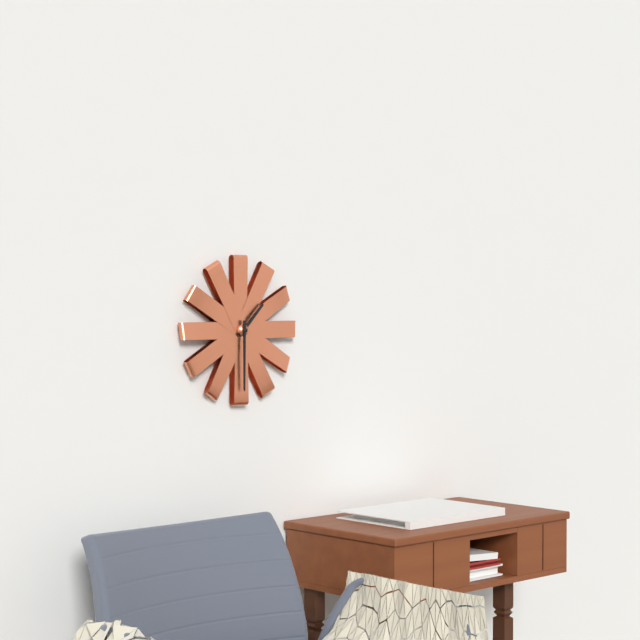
1:30
